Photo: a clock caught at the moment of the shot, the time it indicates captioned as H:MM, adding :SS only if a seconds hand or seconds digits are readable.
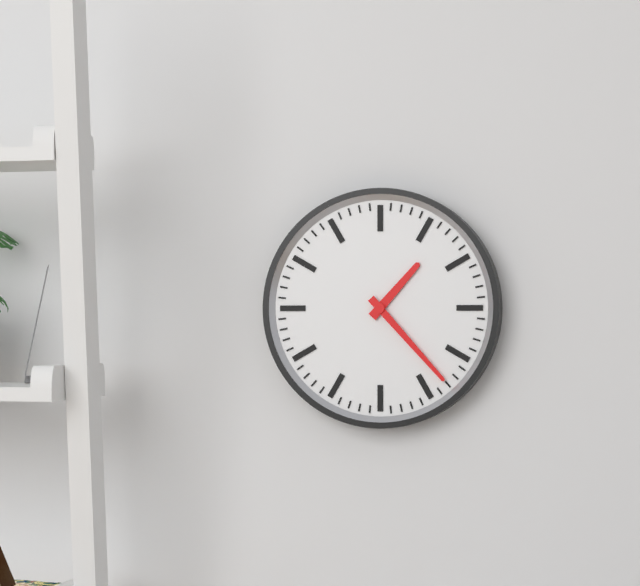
1:23
